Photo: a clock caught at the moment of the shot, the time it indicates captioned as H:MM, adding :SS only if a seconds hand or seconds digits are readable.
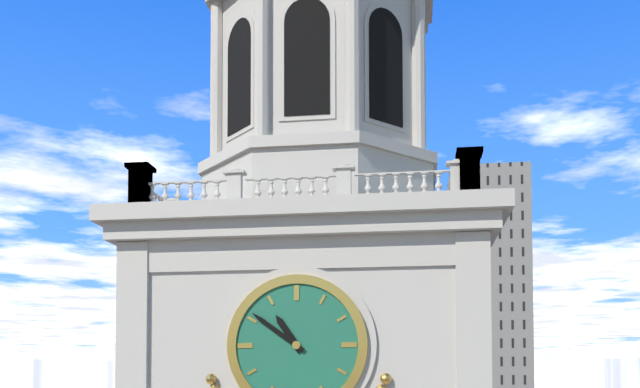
10:51
